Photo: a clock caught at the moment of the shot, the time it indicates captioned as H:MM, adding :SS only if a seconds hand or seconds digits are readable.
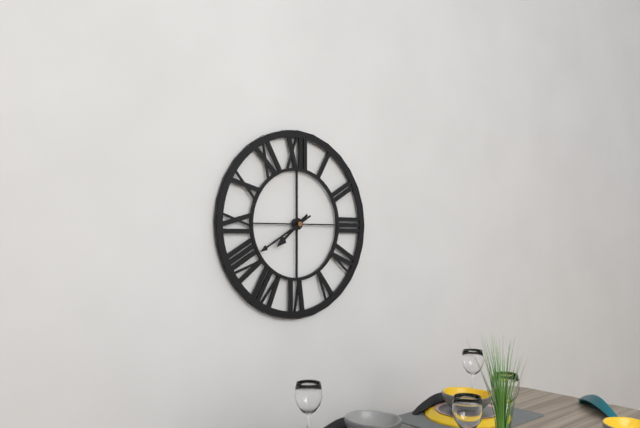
7:40
